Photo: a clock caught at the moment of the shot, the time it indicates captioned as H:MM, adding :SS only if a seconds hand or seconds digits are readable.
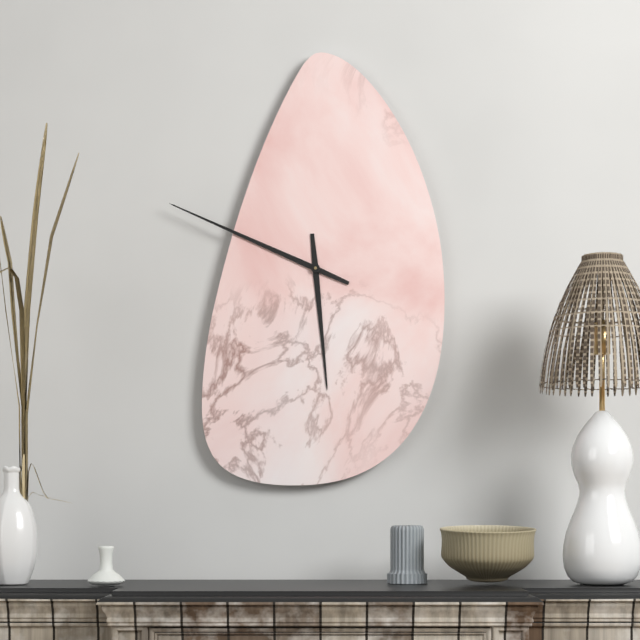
5:49
